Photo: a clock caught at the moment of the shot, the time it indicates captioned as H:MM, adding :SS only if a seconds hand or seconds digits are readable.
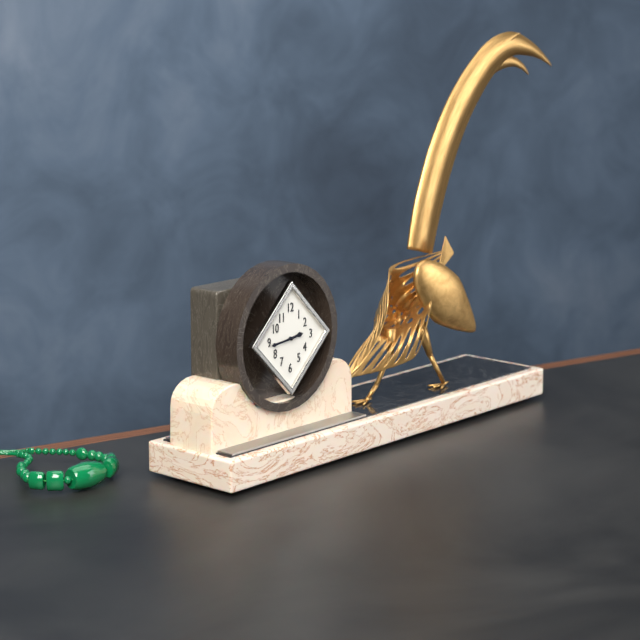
2:44
